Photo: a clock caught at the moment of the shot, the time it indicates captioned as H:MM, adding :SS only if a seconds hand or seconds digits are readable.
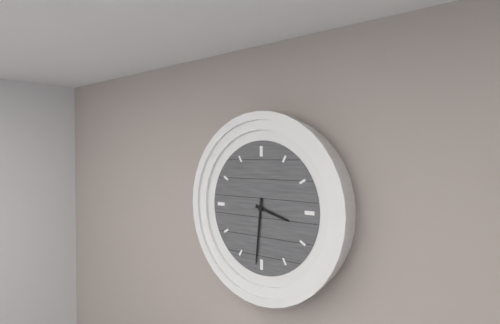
3:31
